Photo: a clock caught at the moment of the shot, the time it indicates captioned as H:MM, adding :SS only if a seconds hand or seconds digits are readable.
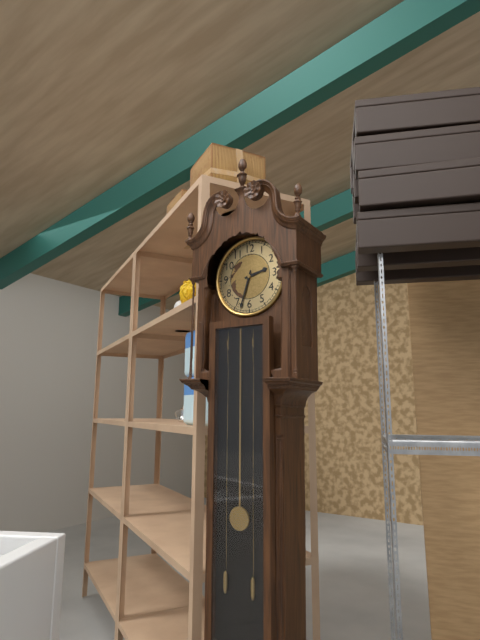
2:33
